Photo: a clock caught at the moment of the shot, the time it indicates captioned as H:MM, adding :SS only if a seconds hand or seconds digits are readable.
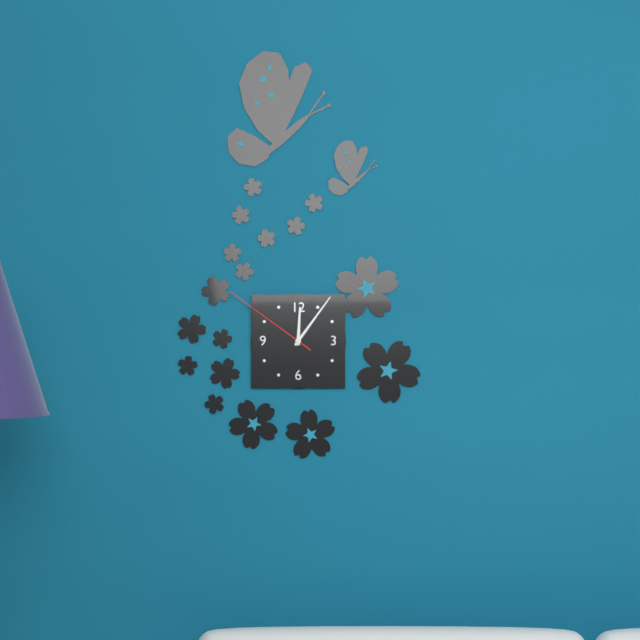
12:06:51
